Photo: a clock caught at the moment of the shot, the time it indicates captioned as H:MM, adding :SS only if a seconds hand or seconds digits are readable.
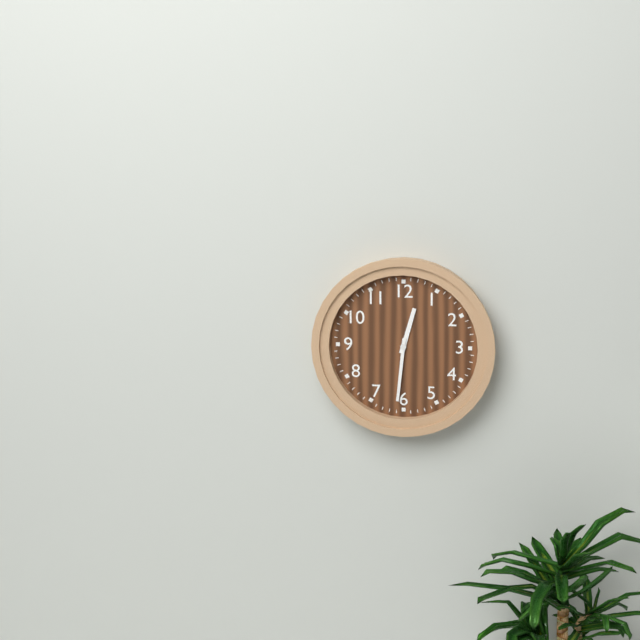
12:31
